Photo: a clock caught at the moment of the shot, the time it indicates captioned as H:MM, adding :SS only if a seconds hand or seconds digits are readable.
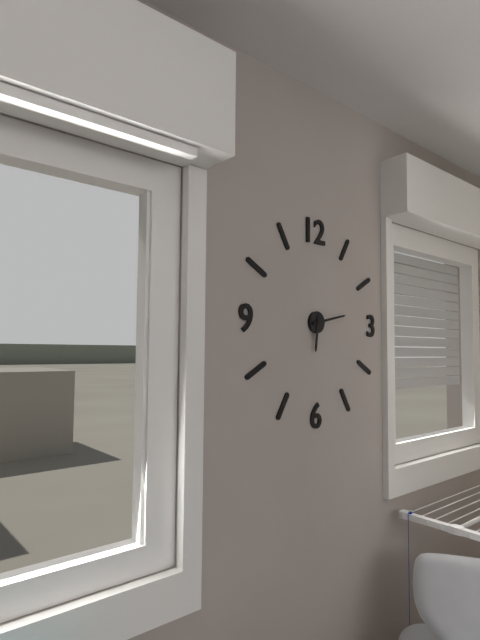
6:13
